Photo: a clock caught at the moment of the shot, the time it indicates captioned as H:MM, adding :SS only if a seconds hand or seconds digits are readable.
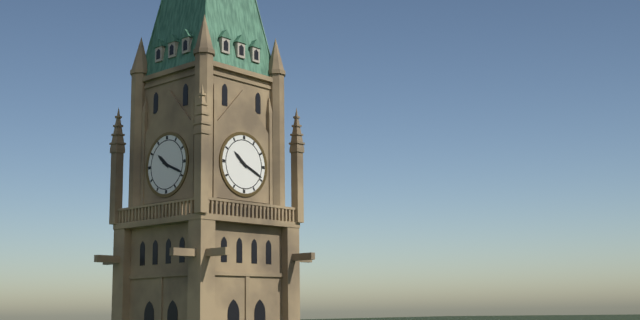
10:19
